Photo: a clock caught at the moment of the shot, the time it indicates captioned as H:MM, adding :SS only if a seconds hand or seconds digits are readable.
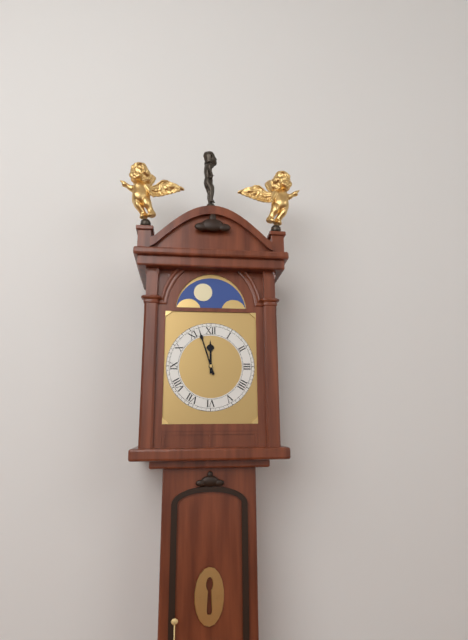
11:57
